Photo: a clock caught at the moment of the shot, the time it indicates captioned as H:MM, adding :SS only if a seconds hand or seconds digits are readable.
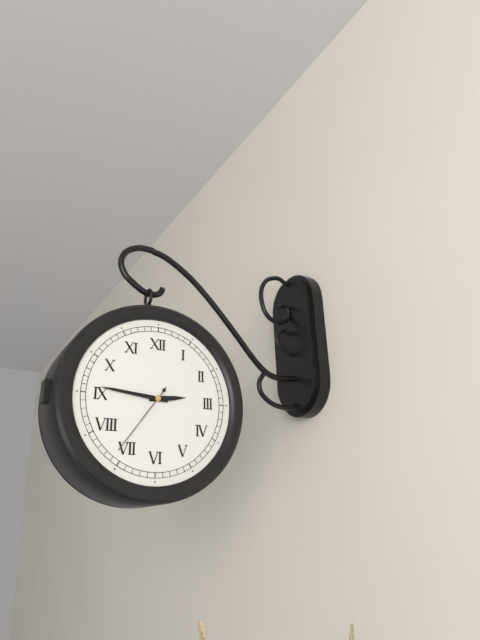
2:46:36
